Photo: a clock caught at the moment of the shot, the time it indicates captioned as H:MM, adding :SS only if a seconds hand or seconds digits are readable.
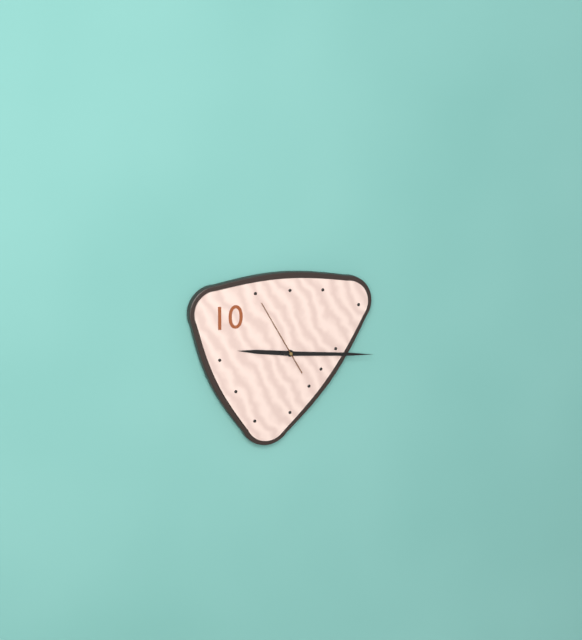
9:16:55
